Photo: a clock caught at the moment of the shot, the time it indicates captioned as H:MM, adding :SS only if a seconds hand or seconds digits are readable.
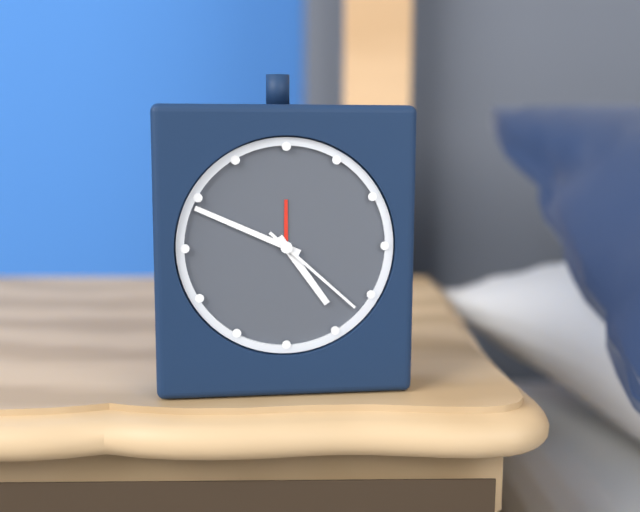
4:49:22
